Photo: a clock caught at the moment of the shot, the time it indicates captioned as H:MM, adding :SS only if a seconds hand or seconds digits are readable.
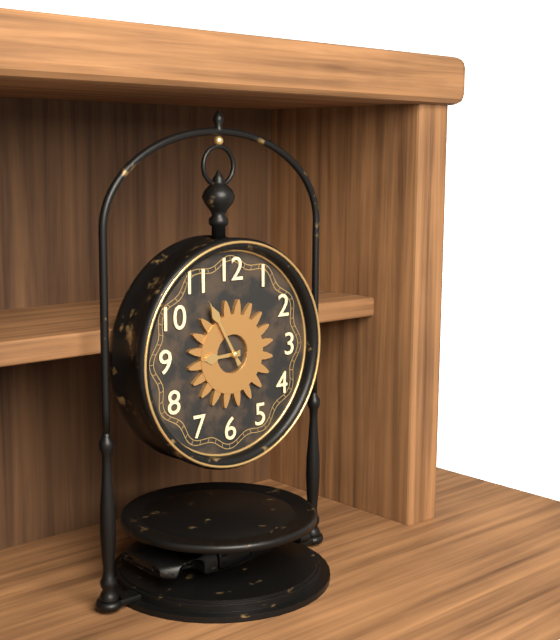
8:55
